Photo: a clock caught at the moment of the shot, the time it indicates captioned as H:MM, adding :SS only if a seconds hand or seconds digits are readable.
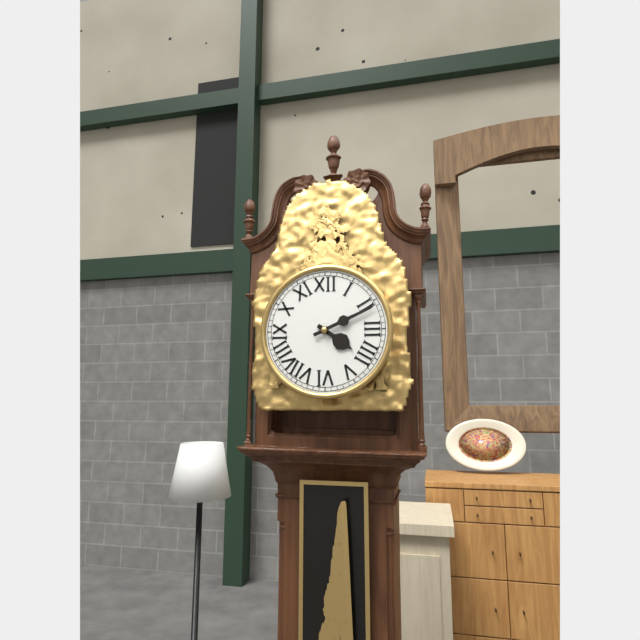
4:11
